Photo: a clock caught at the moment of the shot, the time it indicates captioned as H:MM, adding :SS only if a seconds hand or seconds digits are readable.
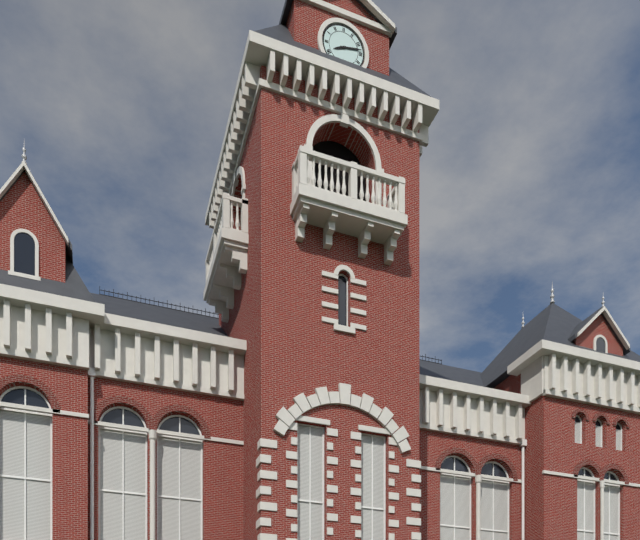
8:13
